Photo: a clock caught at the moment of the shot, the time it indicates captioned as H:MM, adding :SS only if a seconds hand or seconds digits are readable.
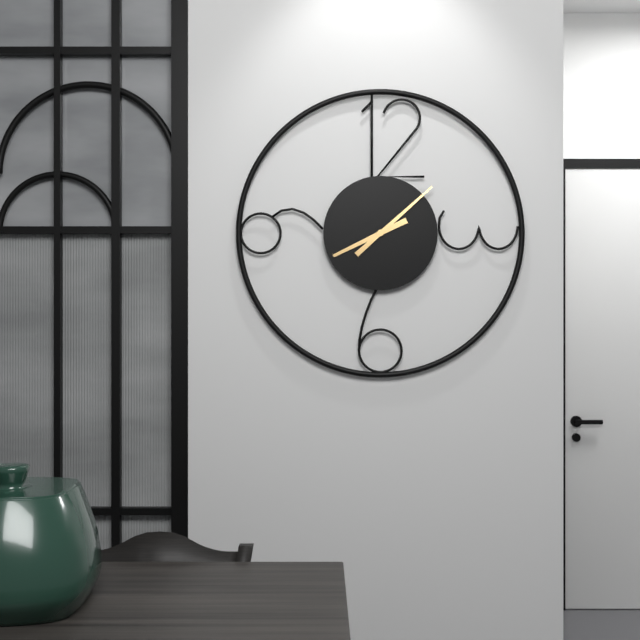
8:08
